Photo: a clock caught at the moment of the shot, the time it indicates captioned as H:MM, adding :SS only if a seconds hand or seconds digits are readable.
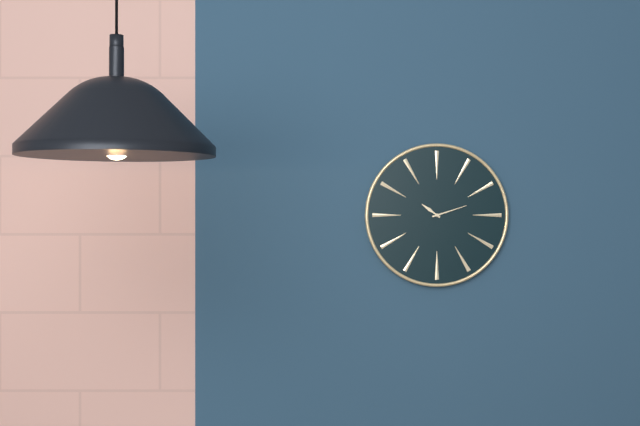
10:12
